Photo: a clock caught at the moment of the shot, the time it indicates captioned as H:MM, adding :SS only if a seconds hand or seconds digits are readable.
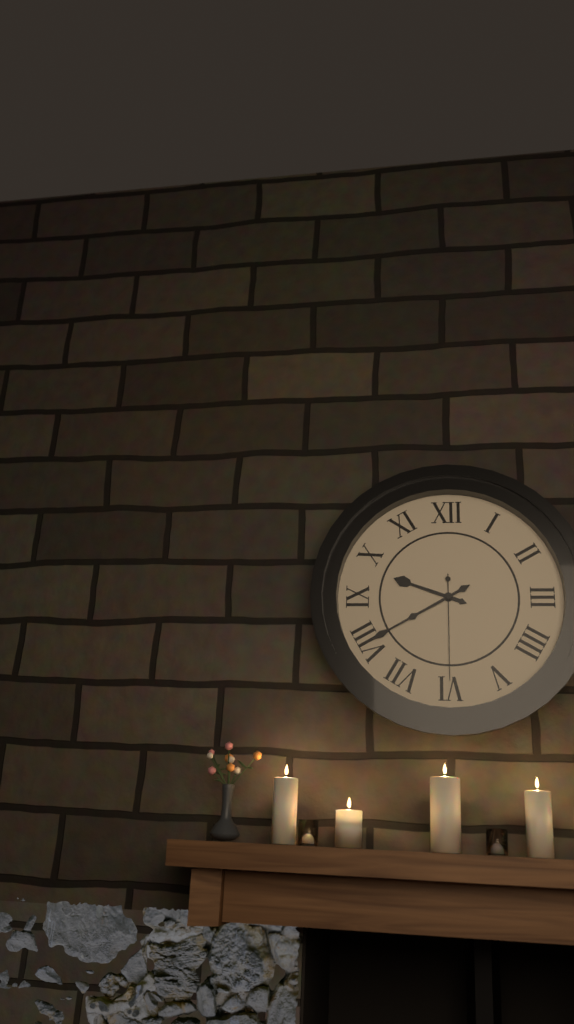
9:40:30
